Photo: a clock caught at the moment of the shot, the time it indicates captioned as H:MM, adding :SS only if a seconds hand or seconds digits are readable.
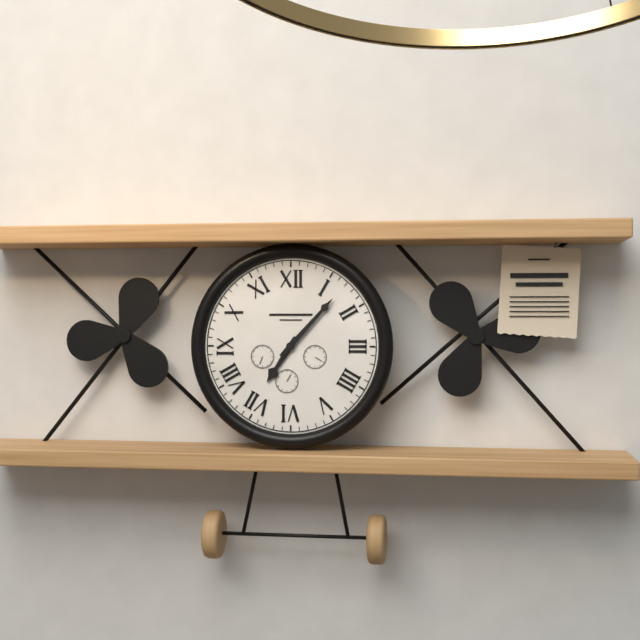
7:07
